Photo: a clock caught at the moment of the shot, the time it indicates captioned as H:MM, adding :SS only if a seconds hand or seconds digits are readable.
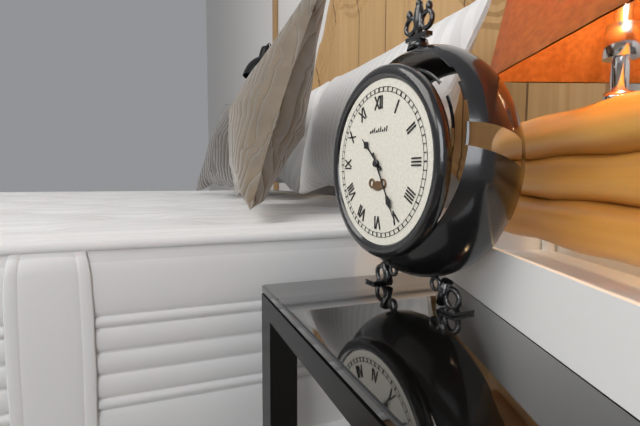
10:25
